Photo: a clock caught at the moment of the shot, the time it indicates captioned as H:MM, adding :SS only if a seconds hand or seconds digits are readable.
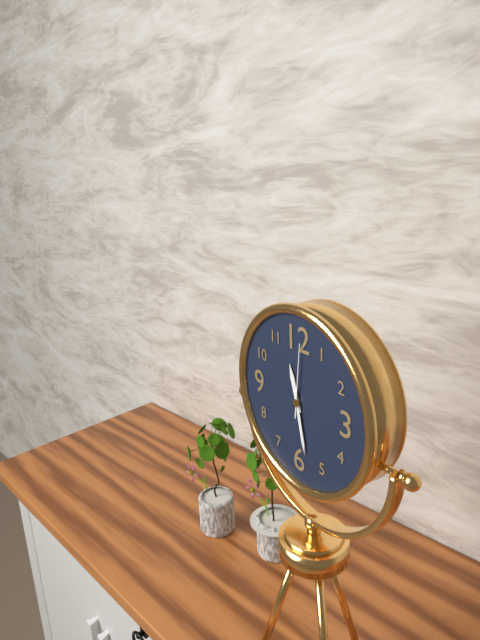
11:28:01
